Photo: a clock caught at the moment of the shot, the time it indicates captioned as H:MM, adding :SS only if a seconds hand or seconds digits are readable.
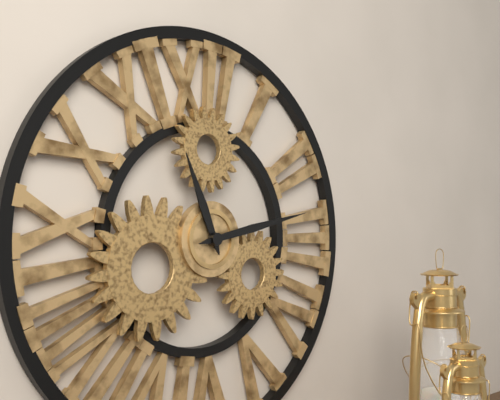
11:13
